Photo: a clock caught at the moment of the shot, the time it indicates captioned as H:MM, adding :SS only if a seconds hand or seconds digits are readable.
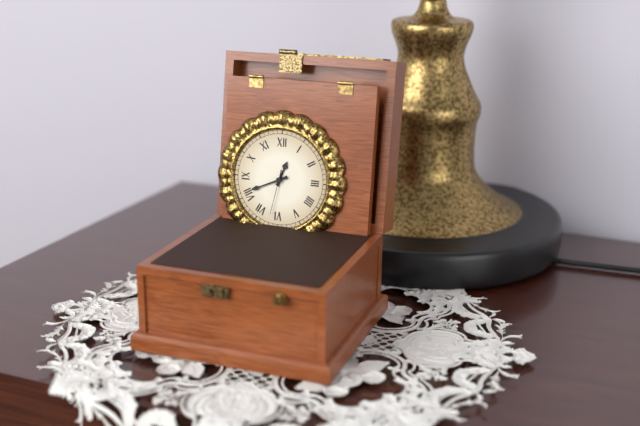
12:41
